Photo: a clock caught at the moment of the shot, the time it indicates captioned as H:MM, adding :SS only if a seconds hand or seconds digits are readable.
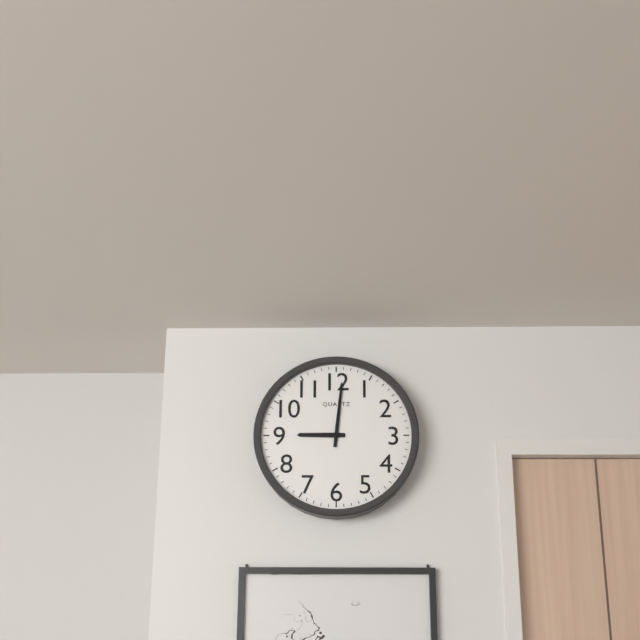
9:01
